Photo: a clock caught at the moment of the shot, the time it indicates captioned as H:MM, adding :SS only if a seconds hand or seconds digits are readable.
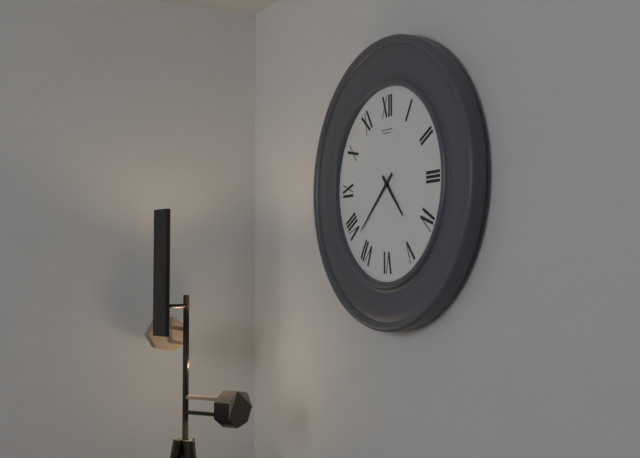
4:38
